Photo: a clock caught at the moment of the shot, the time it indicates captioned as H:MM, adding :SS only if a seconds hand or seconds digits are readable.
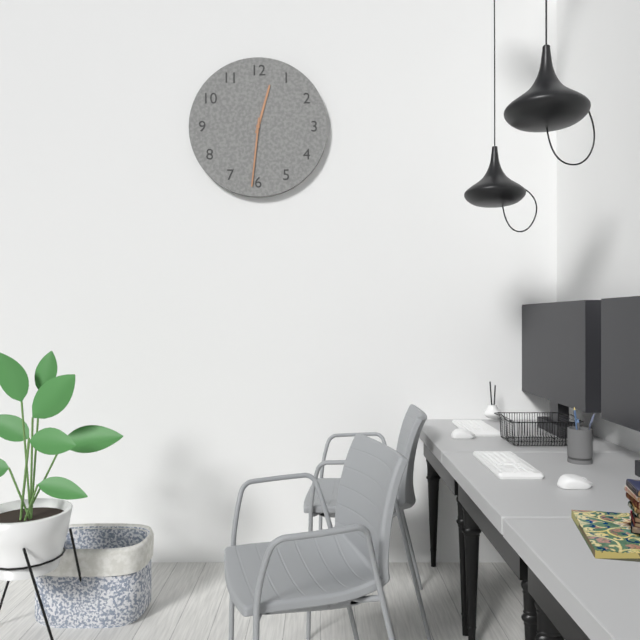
12:31
